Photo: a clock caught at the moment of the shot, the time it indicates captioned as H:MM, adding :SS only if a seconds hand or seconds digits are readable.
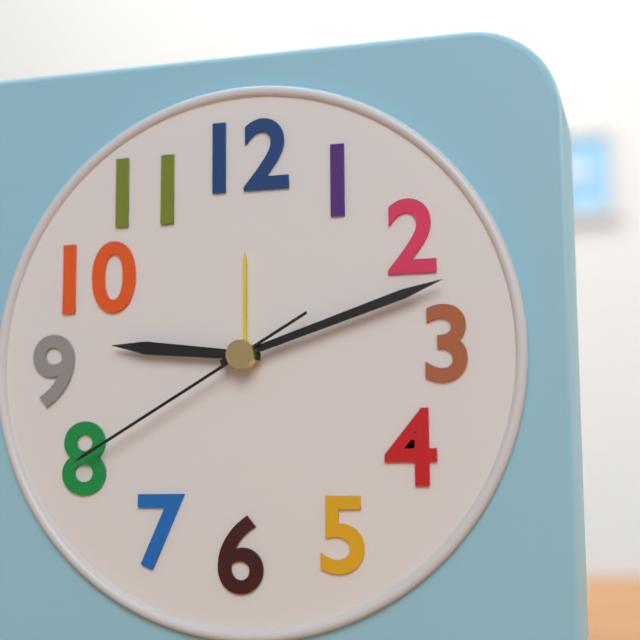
9:12:40
